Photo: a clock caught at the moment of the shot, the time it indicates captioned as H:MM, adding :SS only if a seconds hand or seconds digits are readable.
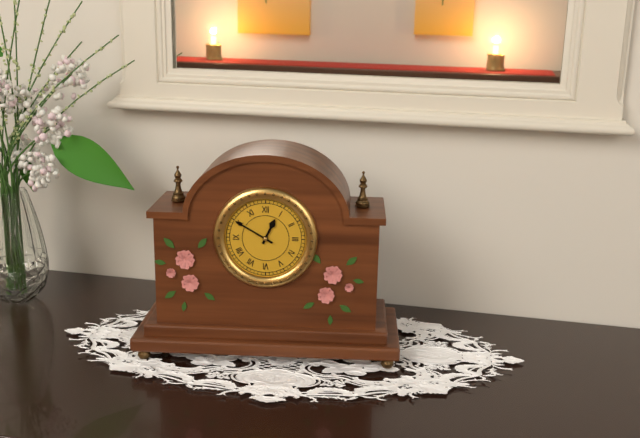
12:50
